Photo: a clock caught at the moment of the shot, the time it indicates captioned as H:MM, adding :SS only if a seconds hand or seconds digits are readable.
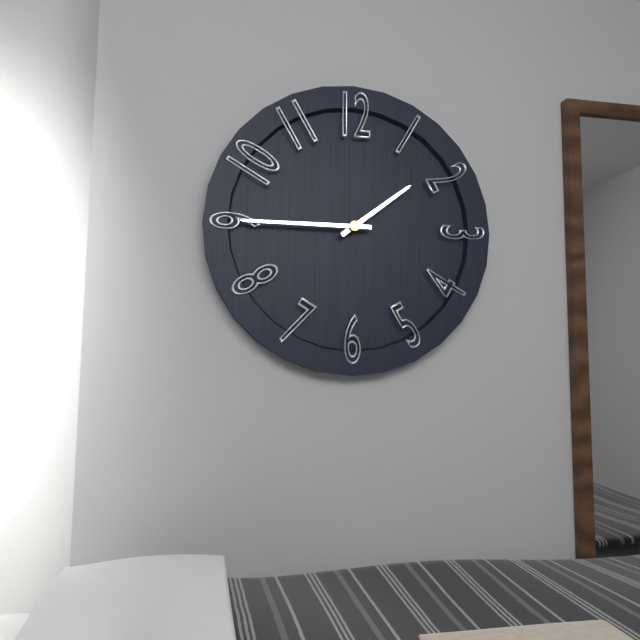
1:45
